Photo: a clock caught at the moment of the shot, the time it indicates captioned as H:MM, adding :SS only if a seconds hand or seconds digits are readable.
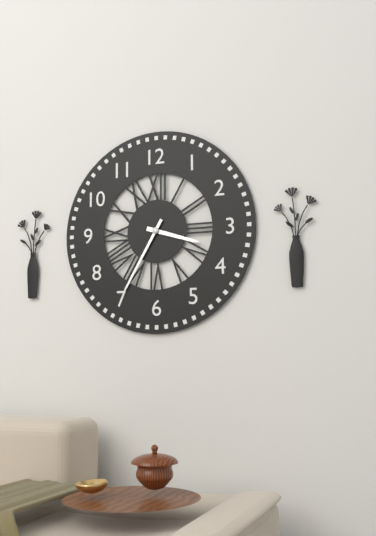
3:35
